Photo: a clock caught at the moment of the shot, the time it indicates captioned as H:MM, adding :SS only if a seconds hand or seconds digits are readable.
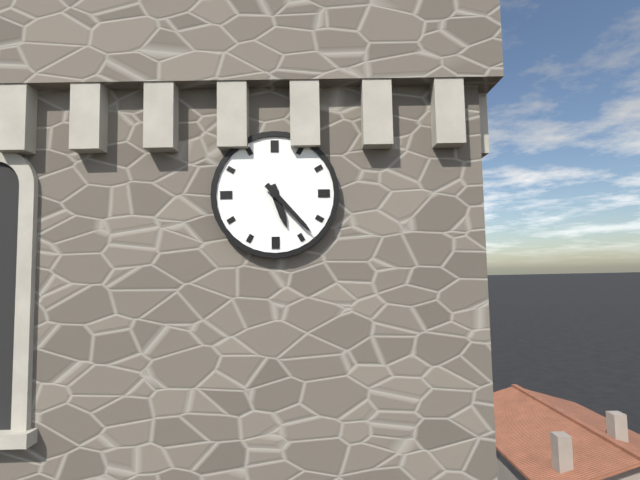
5:23
